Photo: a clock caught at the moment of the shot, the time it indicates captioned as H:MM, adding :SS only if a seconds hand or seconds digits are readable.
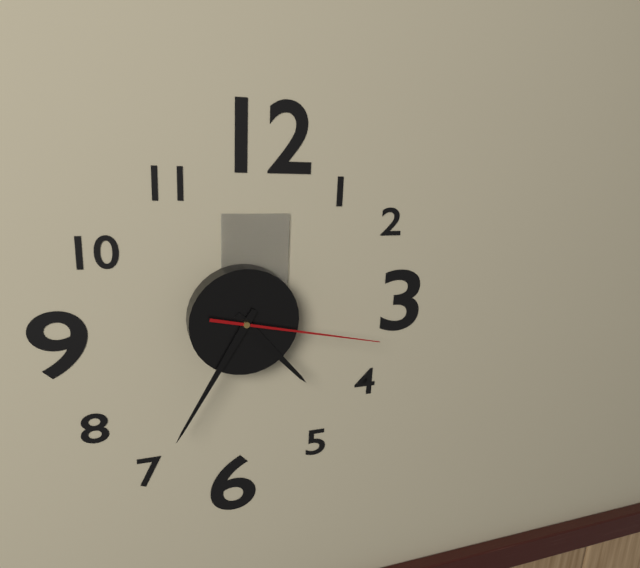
4:35:17
